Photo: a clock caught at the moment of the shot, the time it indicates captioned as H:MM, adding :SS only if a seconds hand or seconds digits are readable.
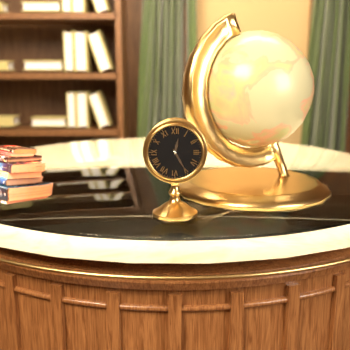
12:25
